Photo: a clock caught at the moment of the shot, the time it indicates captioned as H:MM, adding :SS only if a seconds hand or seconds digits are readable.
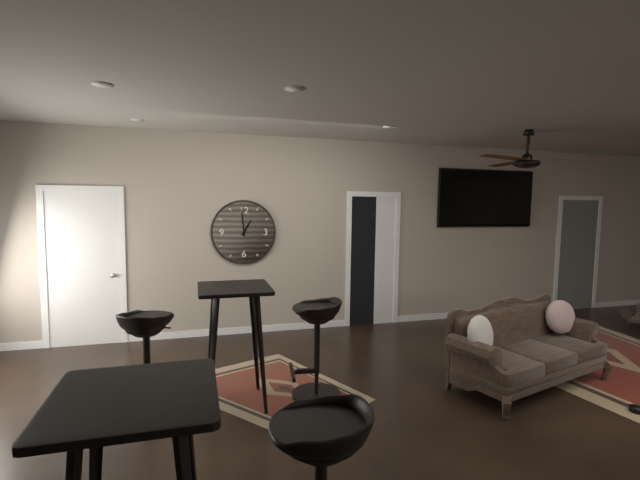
12:59
